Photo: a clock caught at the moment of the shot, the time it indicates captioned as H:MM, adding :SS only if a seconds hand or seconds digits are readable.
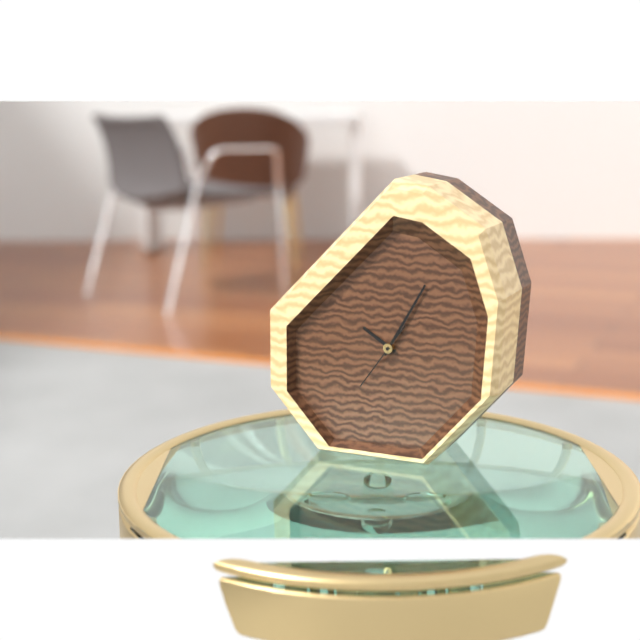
10:05:36
